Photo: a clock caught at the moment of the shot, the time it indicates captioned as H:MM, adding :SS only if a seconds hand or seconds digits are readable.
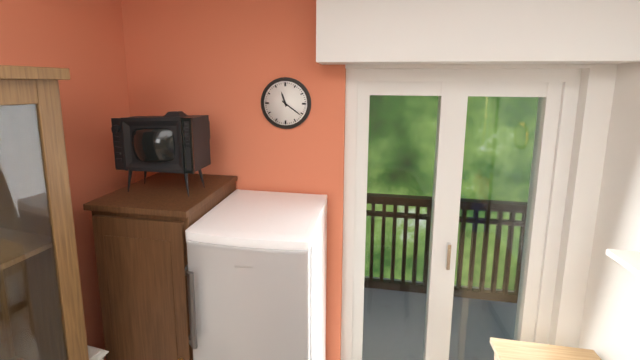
11:21
